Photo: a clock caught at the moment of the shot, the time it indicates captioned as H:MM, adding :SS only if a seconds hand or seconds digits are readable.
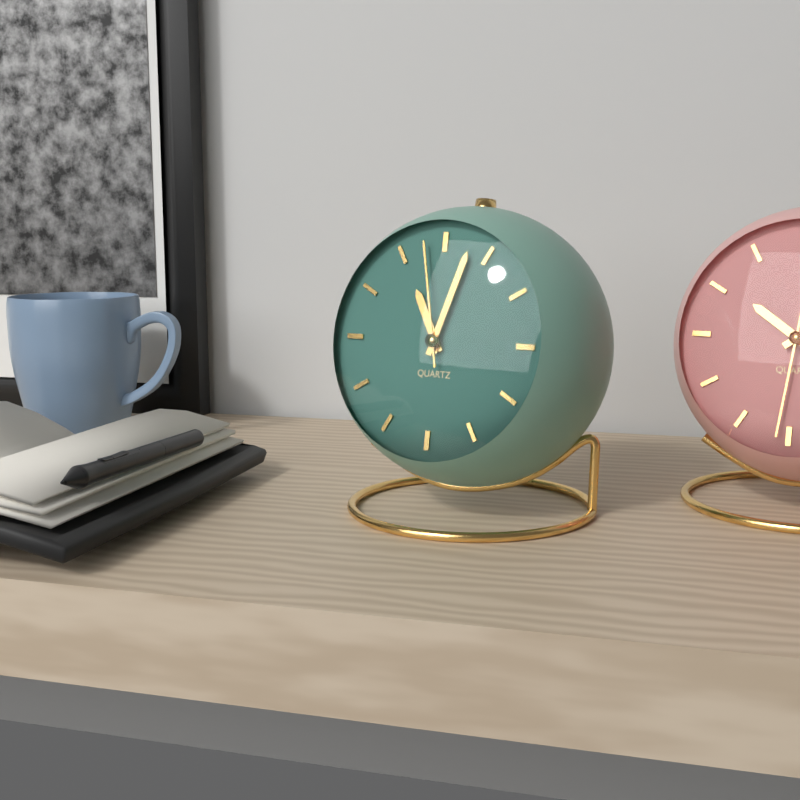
11:03:58
